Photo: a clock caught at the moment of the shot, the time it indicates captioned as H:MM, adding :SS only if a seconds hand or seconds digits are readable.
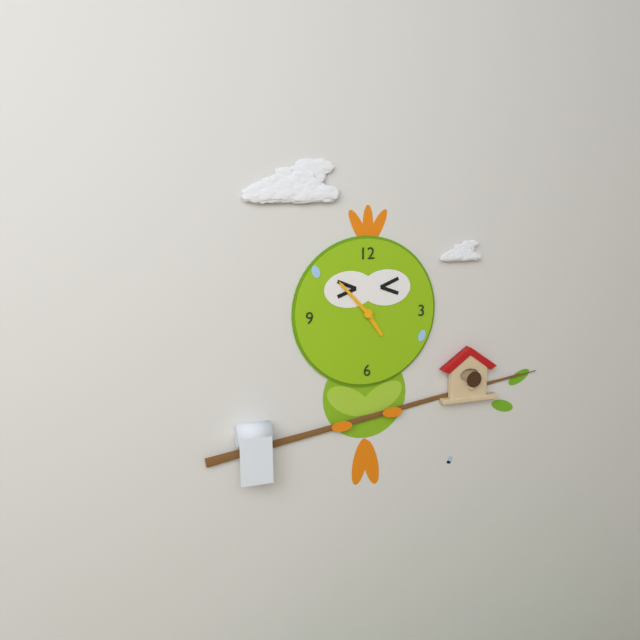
4:53
